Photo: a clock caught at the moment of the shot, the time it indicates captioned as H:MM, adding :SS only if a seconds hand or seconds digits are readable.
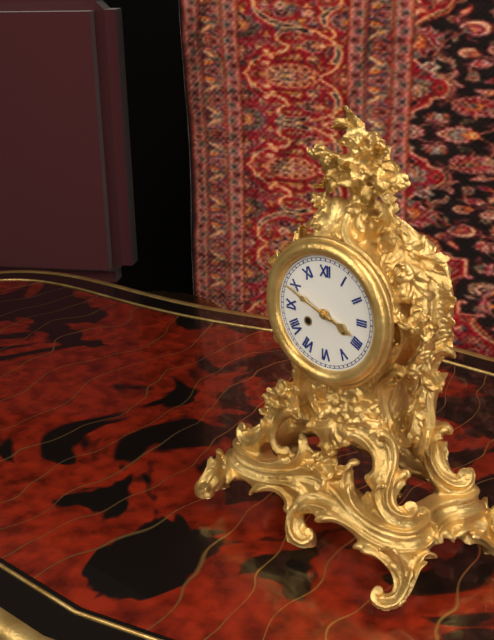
3:49
